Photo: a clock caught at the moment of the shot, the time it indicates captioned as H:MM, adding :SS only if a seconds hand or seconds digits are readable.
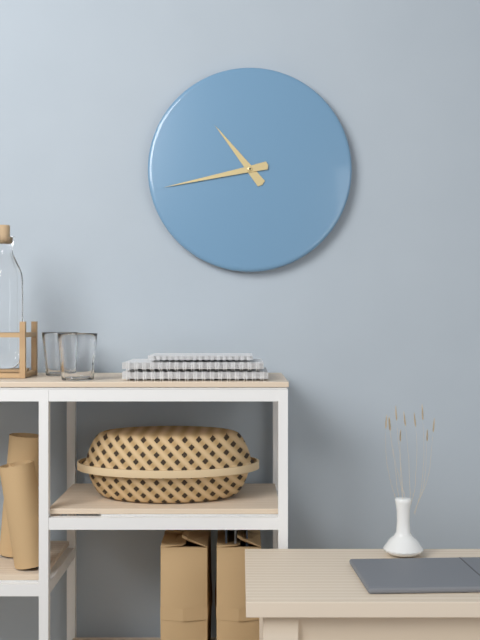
10:43
